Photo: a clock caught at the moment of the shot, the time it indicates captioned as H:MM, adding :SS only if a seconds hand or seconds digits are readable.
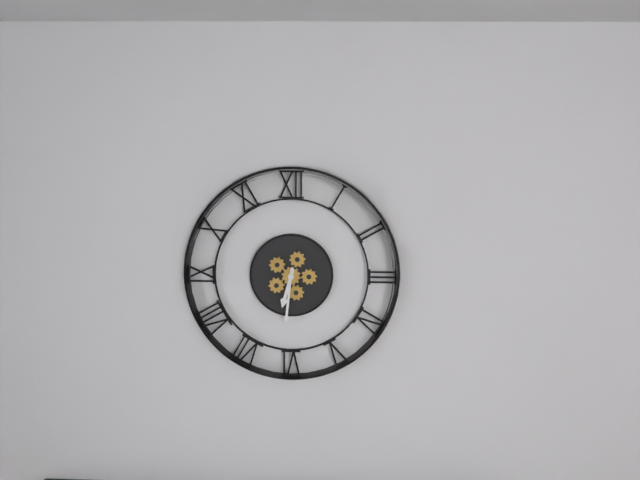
6:31
